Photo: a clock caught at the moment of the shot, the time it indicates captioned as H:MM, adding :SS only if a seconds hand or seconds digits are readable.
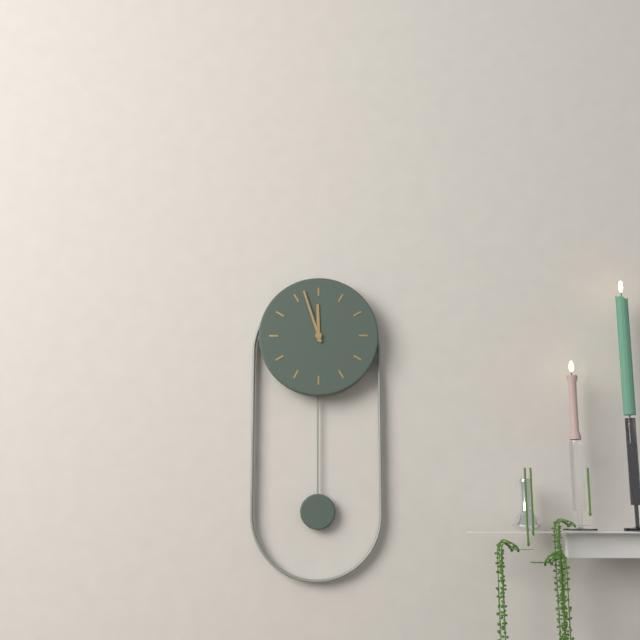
11:57
